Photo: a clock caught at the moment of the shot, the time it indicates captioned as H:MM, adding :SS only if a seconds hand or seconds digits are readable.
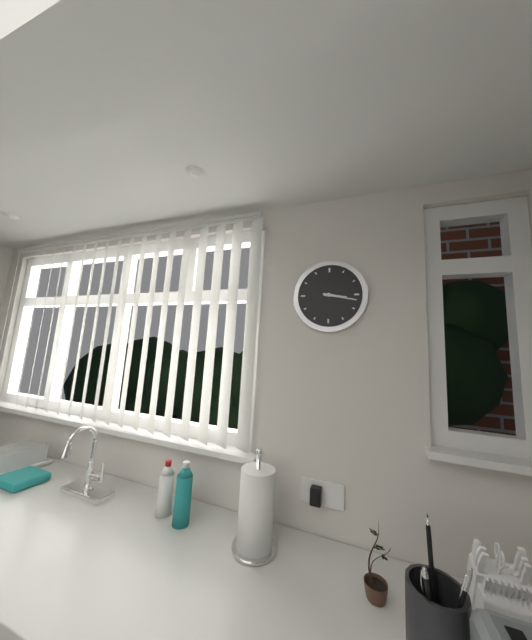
3:17
